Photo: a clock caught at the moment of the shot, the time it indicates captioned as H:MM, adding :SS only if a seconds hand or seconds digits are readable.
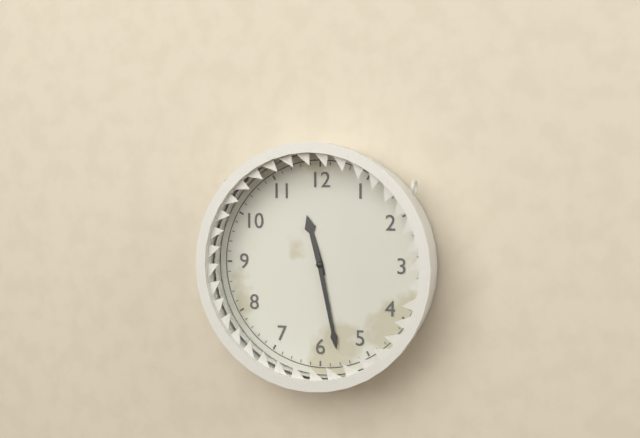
11:28
